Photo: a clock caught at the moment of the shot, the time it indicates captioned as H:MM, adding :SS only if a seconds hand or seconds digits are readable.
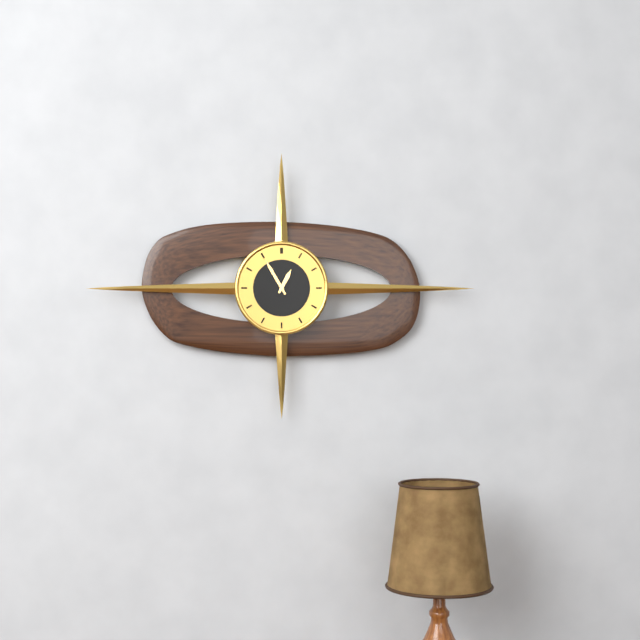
12:55
